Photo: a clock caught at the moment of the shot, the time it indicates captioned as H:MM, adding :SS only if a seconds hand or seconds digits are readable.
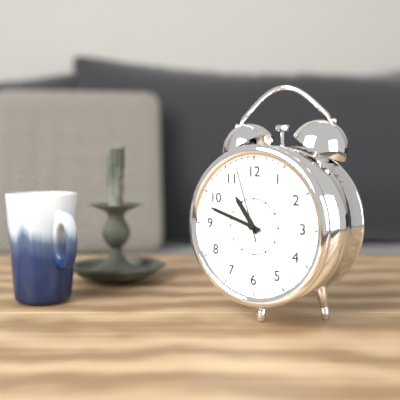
10:48:57
